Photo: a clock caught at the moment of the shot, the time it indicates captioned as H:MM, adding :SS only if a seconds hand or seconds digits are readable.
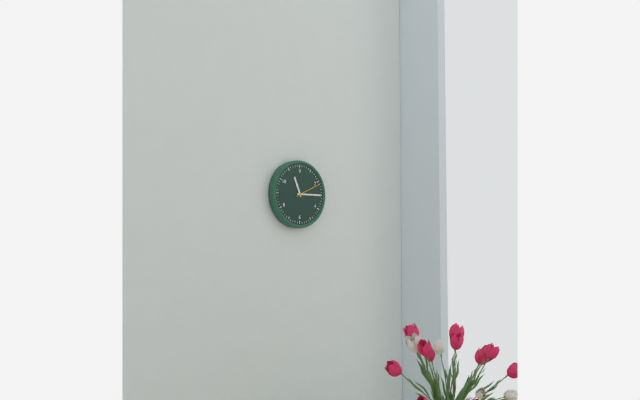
11:15
